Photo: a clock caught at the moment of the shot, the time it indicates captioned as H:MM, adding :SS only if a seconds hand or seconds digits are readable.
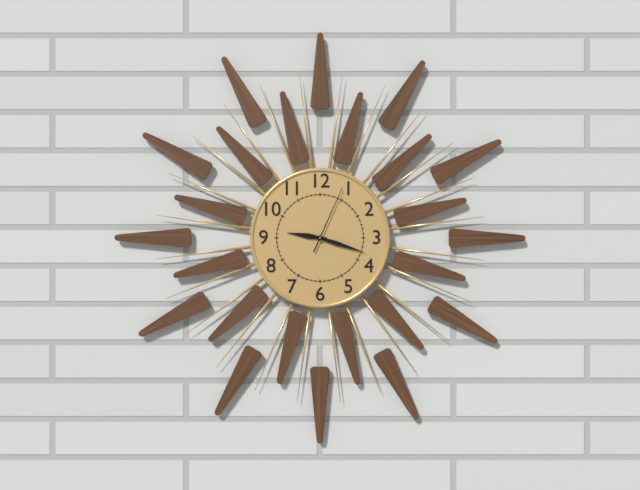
9:18:04
